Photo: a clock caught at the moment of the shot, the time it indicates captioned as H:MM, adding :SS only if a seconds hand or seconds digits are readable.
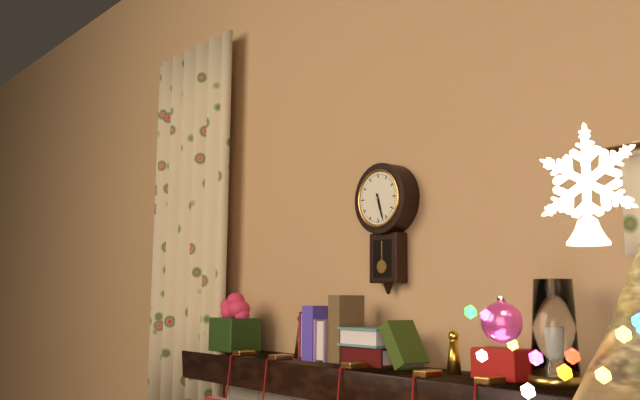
5:27
